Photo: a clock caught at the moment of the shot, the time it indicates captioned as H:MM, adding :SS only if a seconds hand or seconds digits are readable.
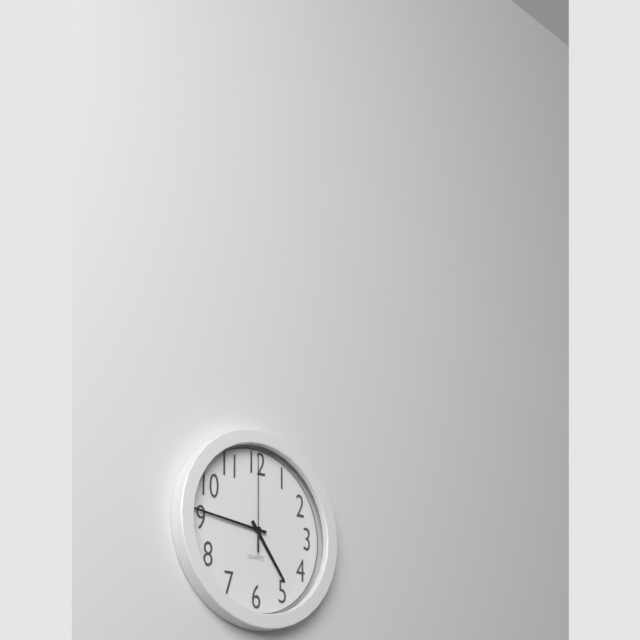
4:46:00
